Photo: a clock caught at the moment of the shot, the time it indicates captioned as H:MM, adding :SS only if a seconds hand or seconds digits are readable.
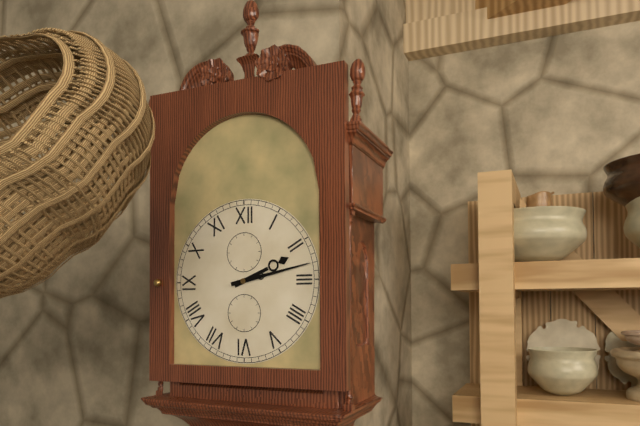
2:13
